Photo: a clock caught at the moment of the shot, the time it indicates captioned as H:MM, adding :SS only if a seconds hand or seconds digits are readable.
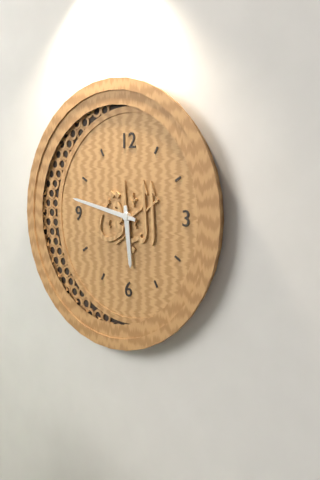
5:47
